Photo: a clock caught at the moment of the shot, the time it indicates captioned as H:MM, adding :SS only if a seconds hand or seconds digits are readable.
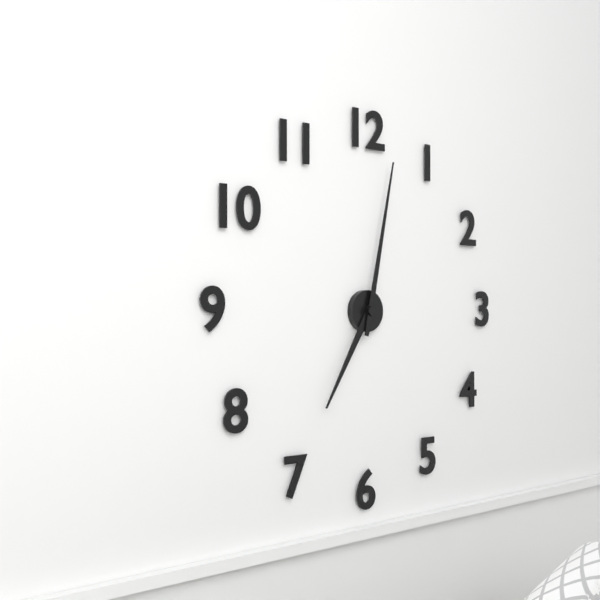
7:02
